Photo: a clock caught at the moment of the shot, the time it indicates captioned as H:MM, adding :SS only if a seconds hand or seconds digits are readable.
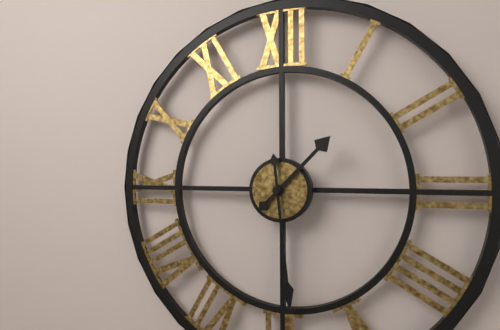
1:29
